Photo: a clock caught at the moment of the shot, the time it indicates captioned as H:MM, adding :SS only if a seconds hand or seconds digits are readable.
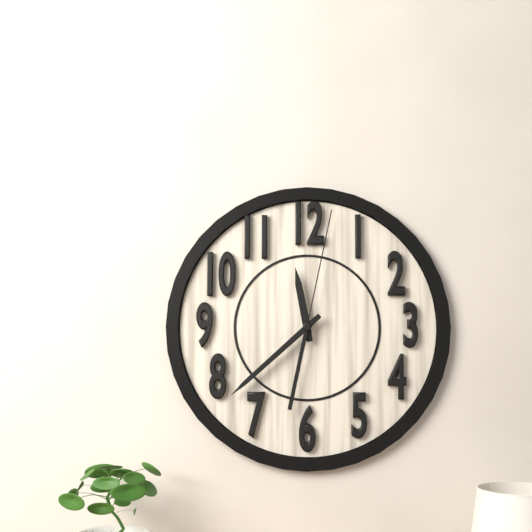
11:38:02
